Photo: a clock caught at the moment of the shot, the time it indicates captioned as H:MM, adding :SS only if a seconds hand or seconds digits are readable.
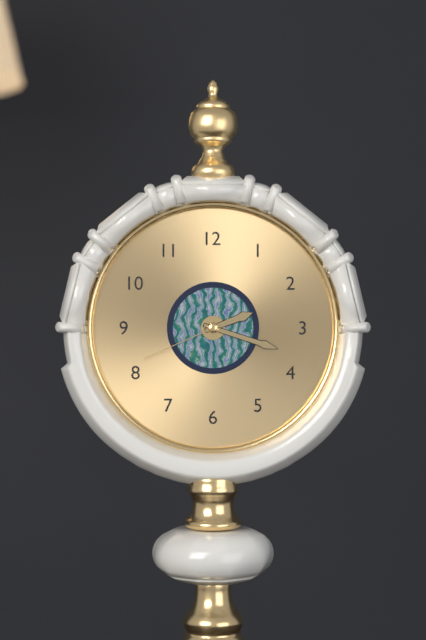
2:18:41
